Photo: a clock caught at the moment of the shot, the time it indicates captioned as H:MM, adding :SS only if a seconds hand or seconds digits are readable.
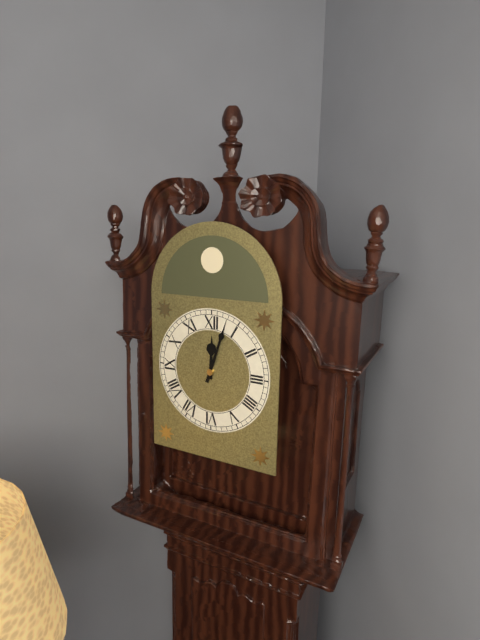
12:03
